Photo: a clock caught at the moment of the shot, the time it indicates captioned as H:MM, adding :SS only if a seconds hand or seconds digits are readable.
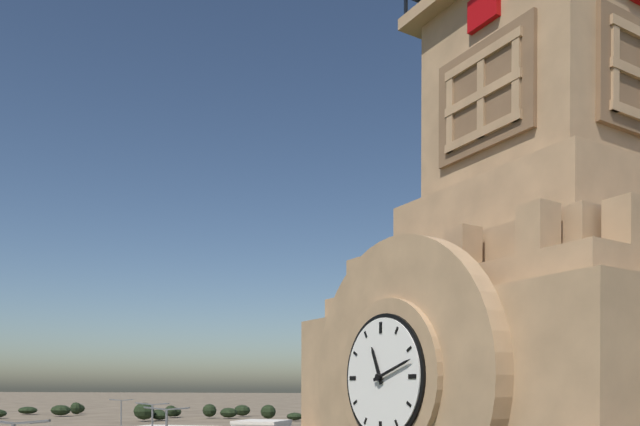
11:12
